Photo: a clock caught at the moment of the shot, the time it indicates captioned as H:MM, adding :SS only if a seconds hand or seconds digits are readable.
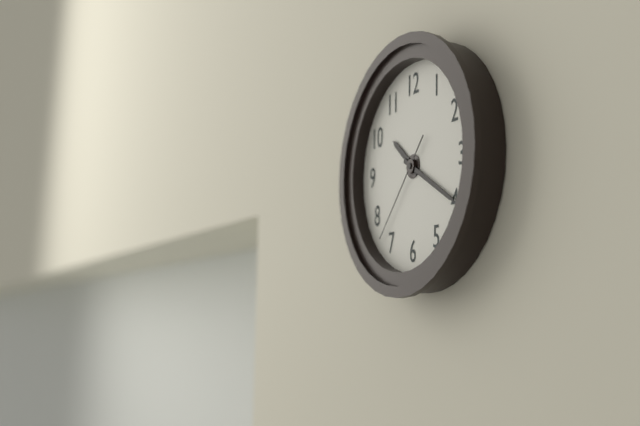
10:20:37
